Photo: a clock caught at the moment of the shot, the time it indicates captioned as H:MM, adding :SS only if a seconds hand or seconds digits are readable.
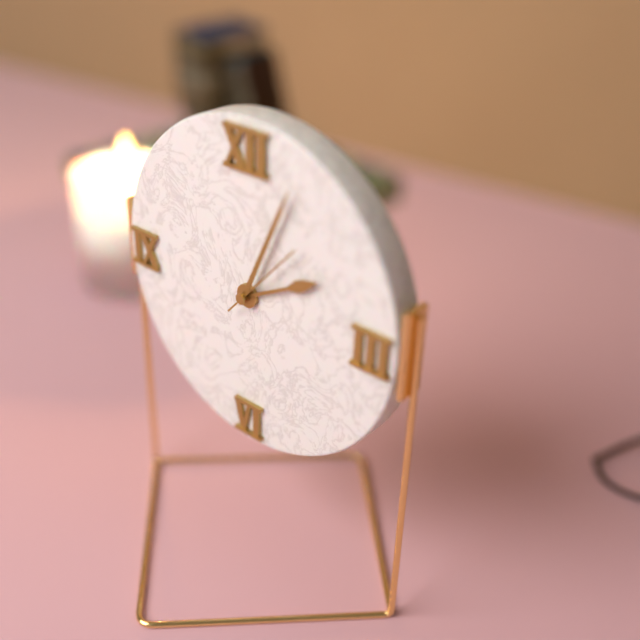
2:04:07
